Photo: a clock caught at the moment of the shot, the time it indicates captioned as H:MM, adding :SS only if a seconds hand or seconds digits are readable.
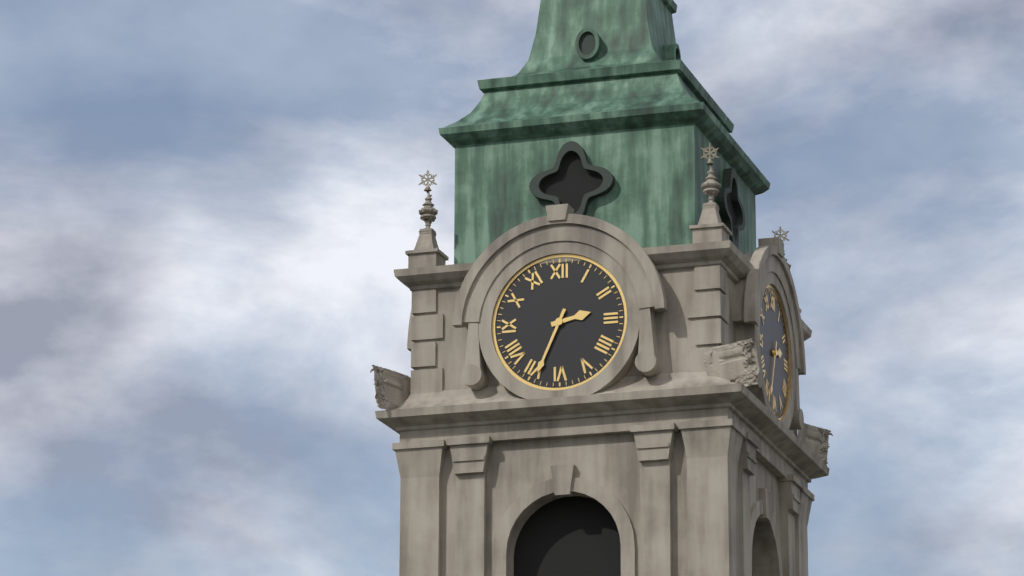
2:34
